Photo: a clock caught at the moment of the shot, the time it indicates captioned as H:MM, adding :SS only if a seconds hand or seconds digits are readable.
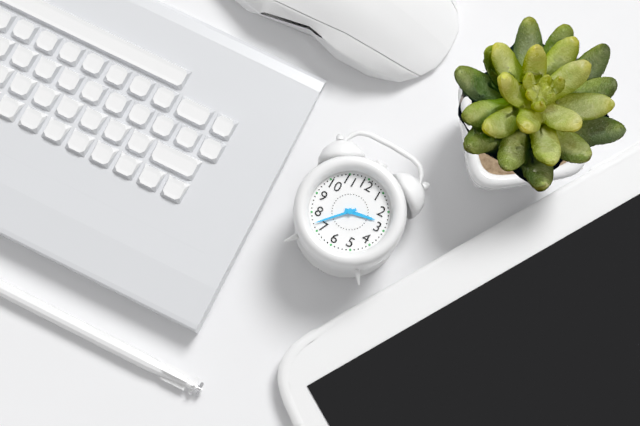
2:37
